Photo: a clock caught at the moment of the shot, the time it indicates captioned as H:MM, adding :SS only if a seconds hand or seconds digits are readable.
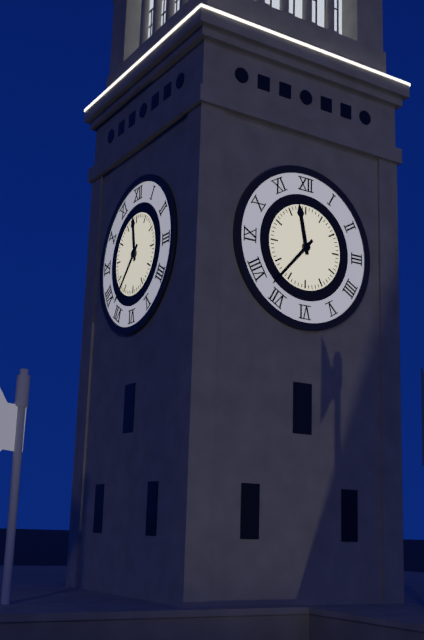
11:37
